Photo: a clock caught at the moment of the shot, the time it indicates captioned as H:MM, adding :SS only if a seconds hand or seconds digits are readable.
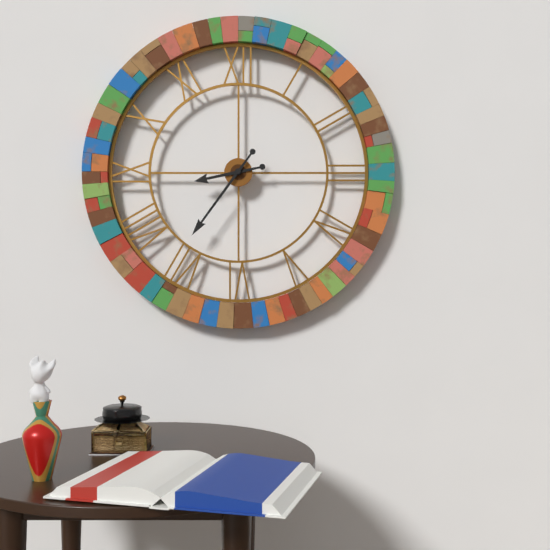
8:36
